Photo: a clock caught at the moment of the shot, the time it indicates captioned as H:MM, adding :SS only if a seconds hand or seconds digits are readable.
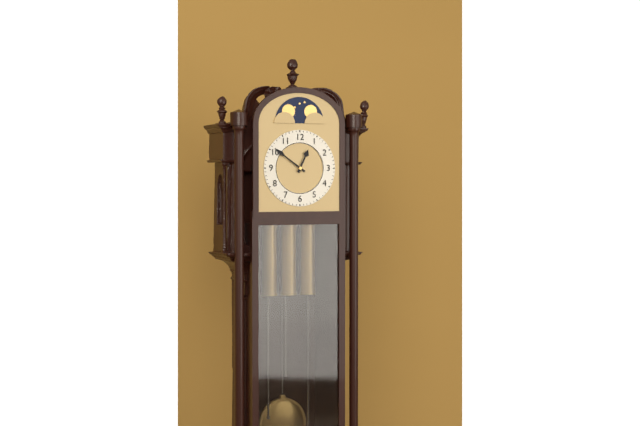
12:51
